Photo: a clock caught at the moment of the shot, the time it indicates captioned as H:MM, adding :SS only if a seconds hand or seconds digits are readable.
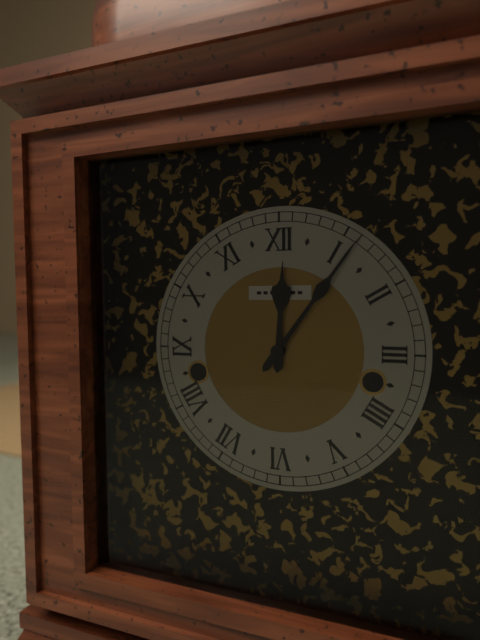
12:06
